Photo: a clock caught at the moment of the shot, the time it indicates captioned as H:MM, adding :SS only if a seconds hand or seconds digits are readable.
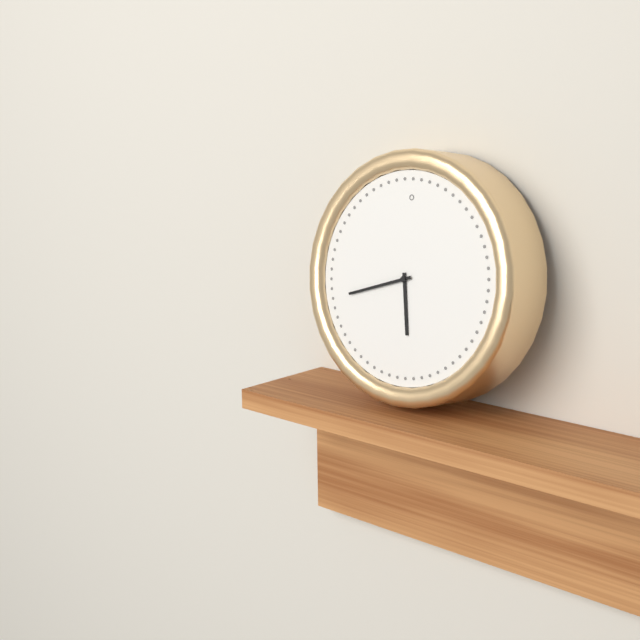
5:42
